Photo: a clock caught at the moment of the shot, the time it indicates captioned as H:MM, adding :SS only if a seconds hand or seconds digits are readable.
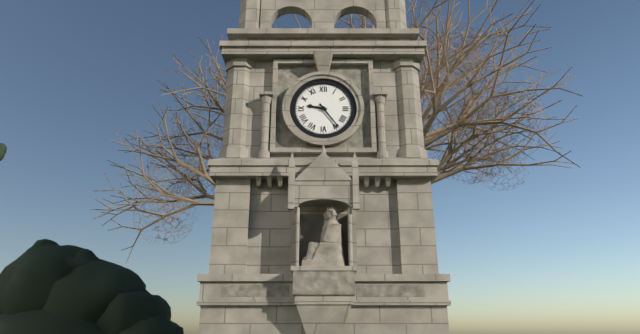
9:24
